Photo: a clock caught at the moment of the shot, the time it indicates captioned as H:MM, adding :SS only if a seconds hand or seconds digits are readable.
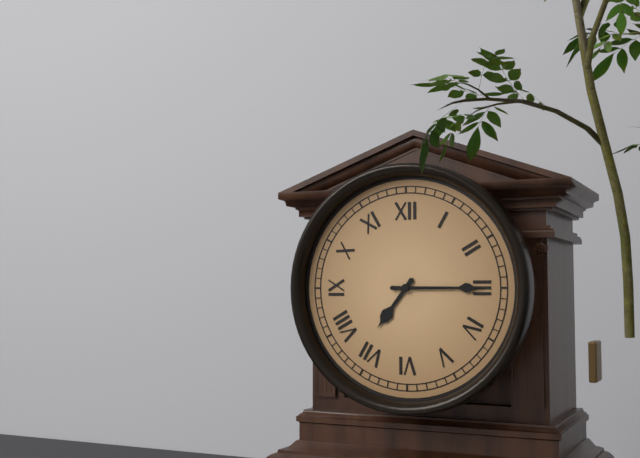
7:15
